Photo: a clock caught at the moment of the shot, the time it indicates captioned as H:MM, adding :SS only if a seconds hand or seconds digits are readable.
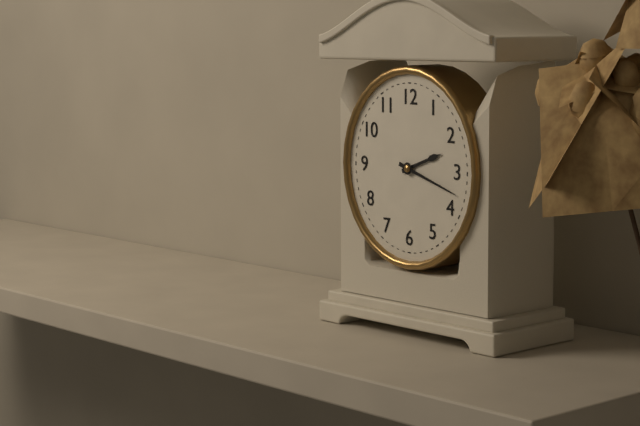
2:18
